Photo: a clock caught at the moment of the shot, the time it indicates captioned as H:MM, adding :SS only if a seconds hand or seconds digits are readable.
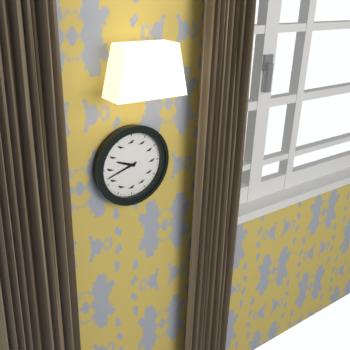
9:42
